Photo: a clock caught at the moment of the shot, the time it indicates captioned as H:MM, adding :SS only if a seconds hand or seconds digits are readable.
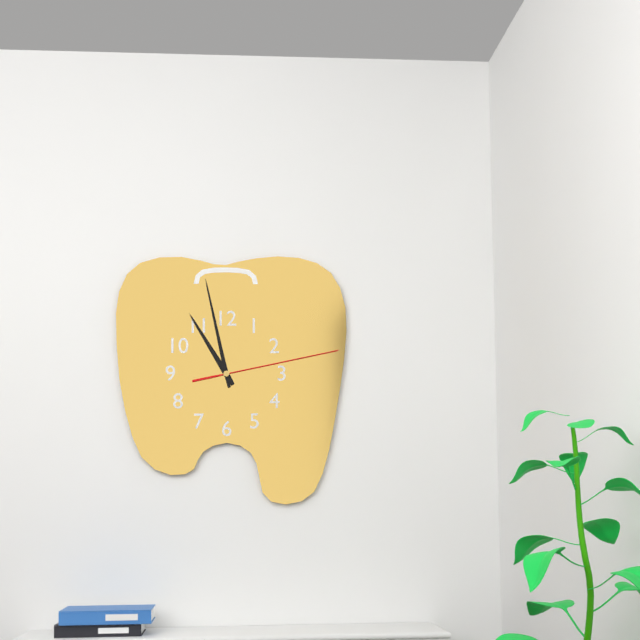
10:58:13
